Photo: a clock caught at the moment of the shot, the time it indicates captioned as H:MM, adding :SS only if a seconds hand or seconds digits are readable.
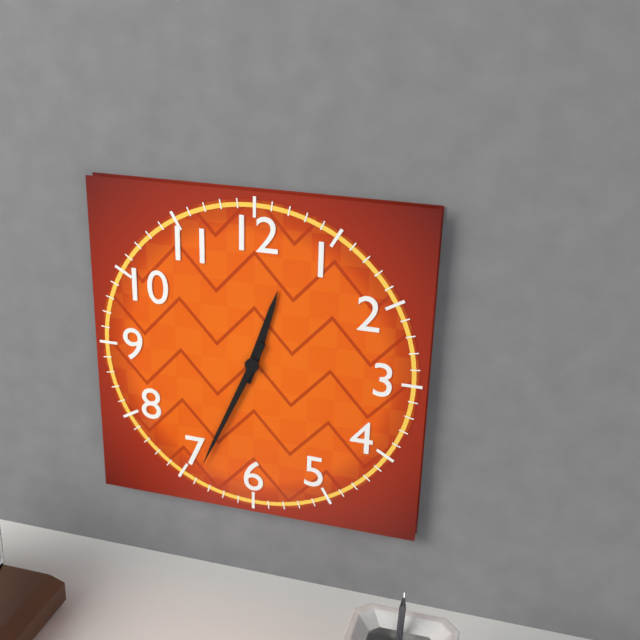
12:34
